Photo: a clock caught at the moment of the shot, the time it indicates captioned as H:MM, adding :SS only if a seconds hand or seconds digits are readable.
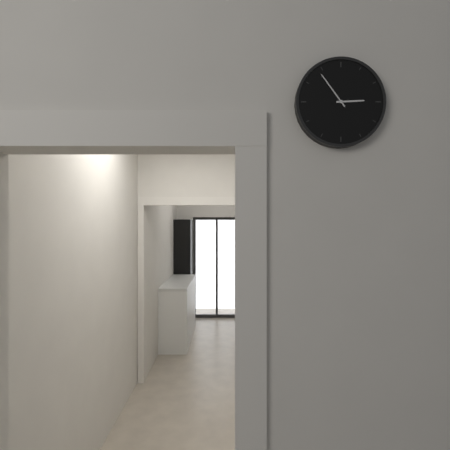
2:54
